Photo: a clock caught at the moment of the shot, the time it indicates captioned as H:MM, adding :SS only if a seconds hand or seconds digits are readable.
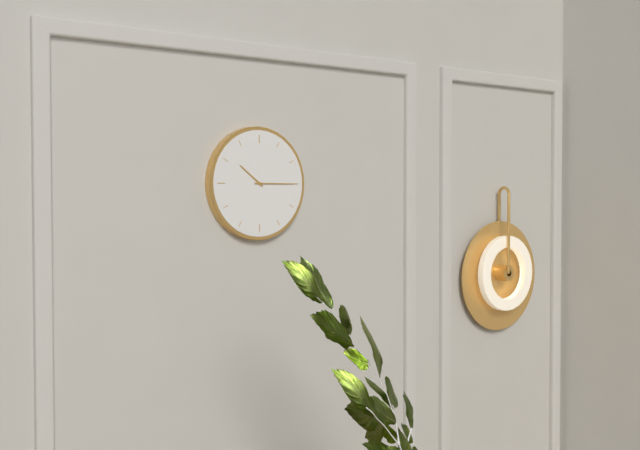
10:15
